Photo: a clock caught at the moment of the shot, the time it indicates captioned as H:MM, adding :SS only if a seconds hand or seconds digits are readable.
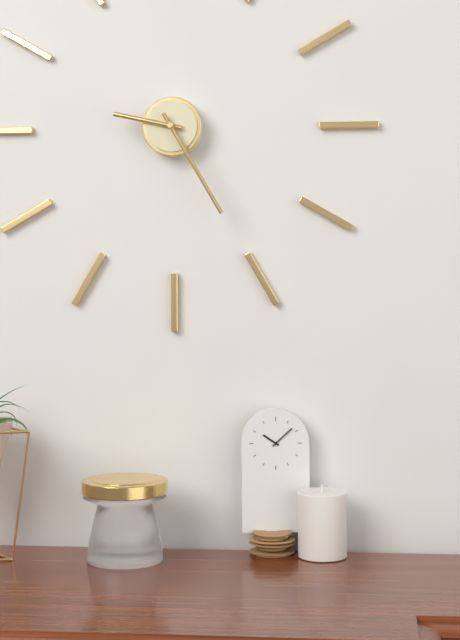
9:25
